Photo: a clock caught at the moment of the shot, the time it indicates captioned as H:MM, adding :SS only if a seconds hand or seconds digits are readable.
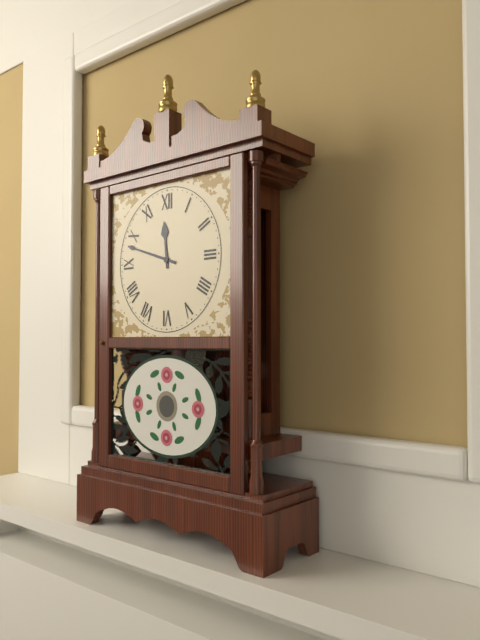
11:48
